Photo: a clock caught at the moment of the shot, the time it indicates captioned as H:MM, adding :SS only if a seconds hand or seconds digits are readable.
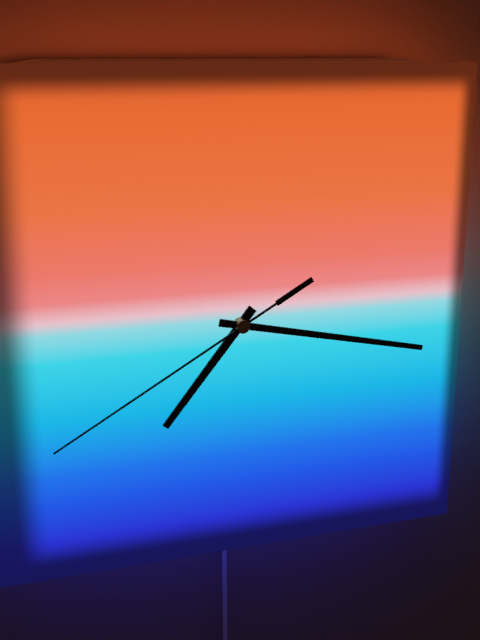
7:17:40
